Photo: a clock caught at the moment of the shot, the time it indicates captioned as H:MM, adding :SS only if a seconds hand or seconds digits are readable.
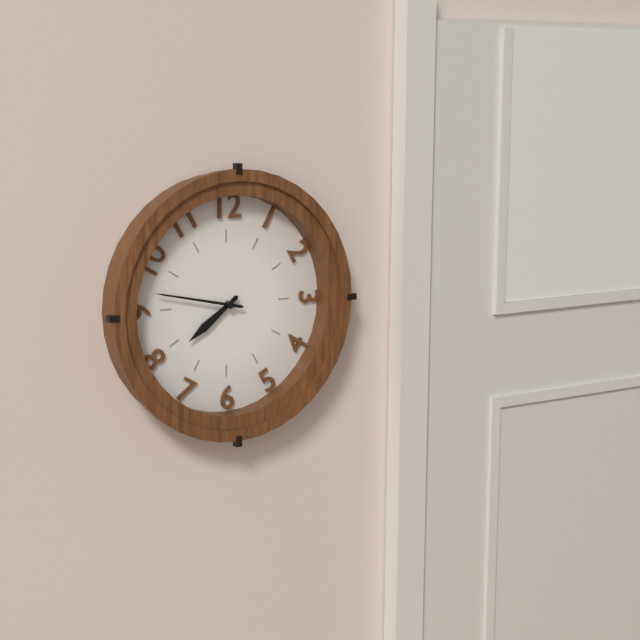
7:47
